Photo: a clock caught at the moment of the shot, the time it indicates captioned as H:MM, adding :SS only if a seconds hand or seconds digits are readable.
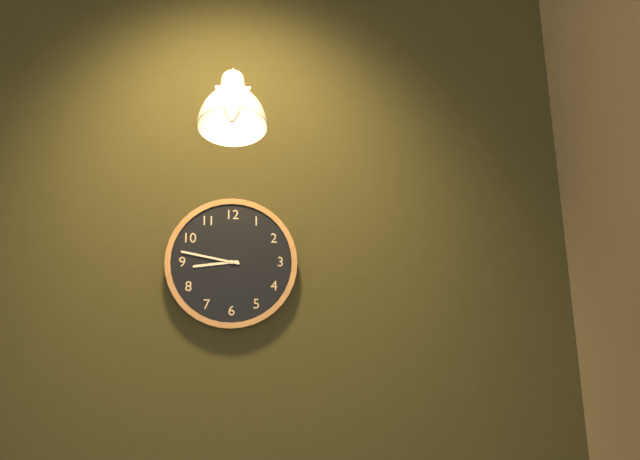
8:47
